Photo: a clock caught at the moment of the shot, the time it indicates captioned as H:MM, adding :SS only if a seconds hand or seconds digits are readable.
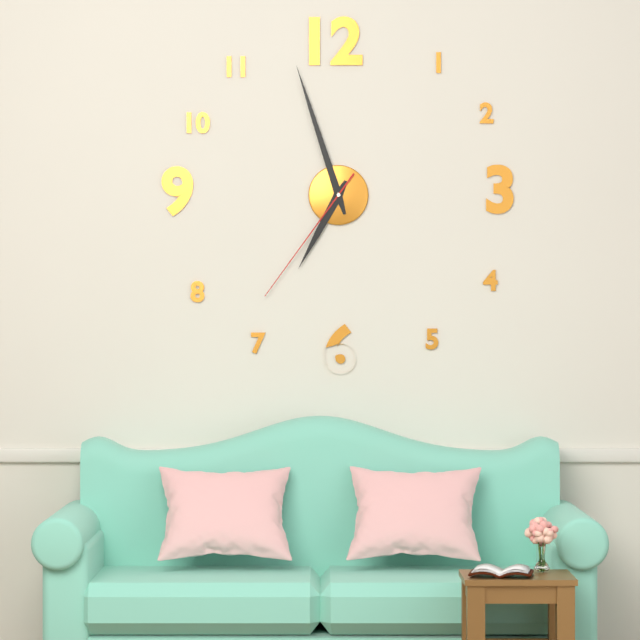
6:57:36
